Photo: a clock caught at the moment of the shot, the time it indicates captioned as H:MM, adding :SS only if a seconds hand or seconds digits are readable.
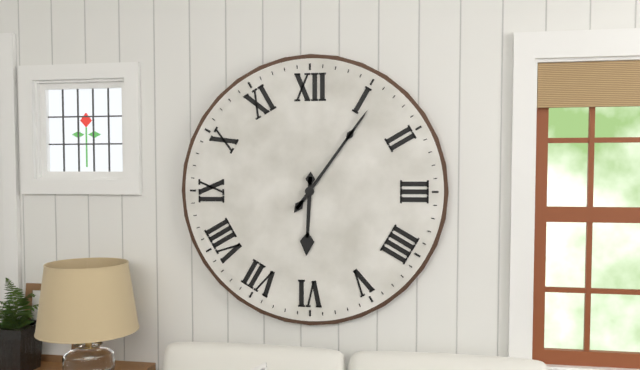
6:06
